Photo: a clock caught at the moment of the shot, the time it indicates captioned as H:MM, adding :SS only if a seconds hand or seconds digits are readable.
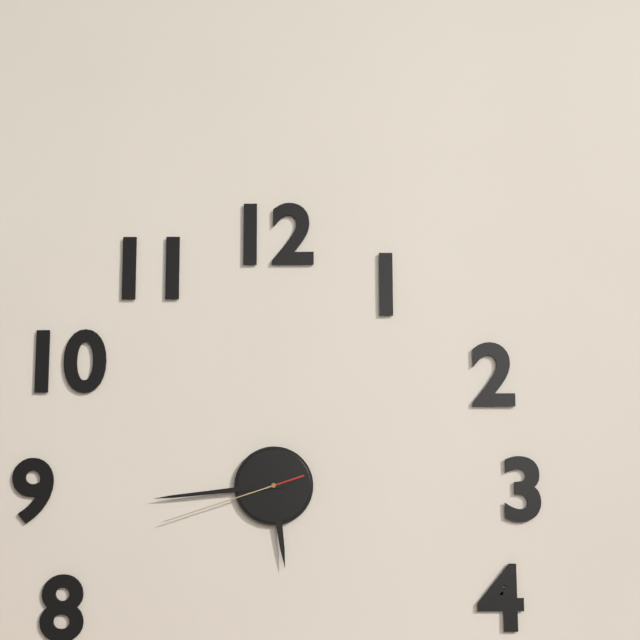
5:44:42
